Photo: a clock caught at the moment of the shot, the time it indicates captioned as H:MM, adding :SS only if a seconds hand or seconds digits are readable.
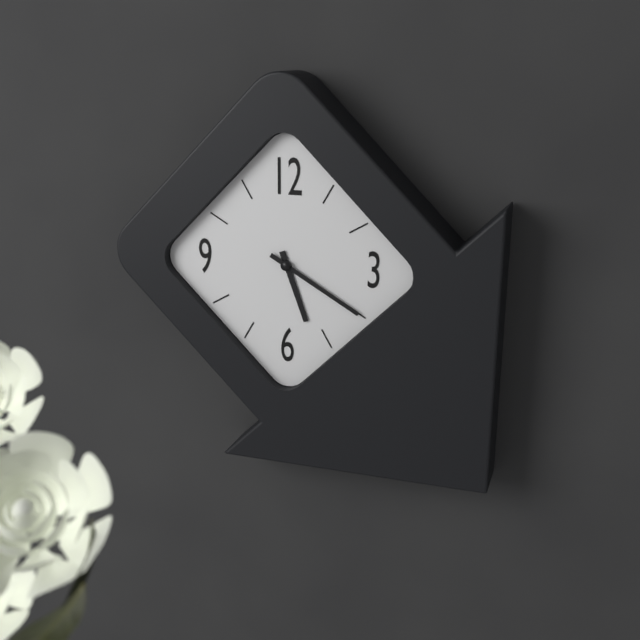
5:20
